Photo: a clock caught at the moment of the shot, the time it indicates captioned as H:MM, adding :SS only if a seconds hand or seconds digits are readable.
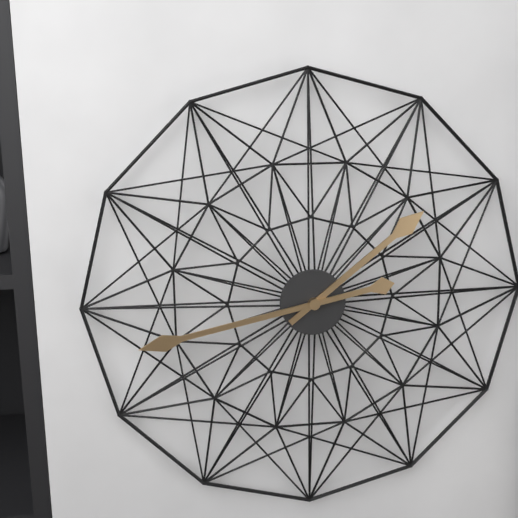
1:43
